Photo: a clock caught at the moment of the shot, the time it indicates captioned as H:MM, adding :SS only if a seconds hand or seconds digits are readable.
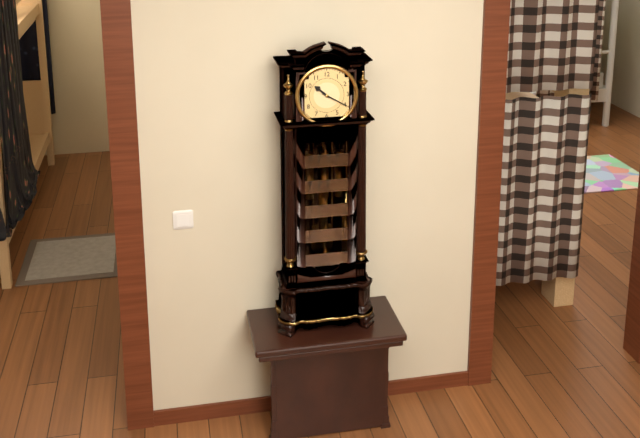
10:20
